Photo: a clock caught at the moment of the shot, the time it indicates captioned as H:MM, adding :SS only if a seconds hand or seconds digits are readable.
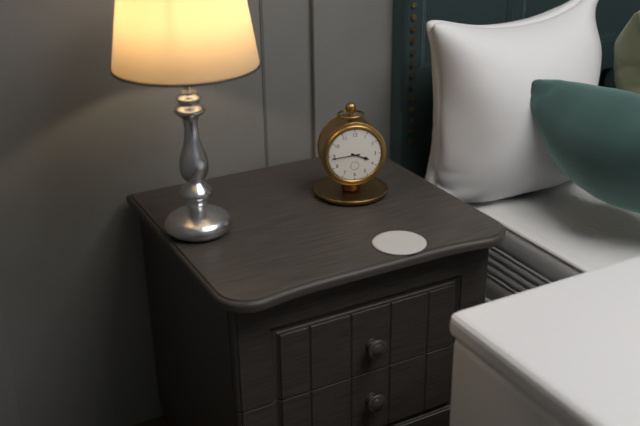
3:44
